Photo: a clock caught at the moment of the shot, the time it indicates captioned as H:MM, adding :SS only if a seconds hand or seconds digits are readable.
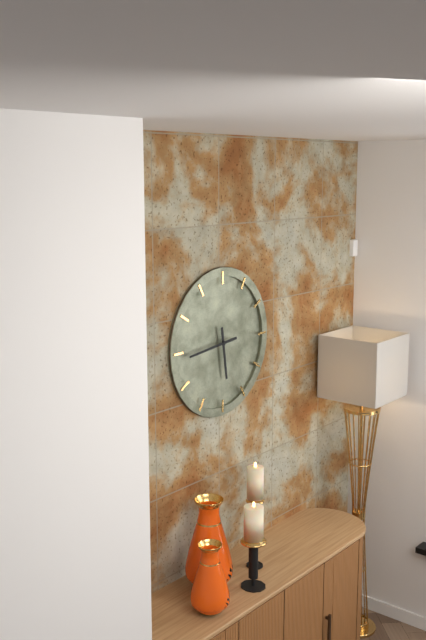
5:44
